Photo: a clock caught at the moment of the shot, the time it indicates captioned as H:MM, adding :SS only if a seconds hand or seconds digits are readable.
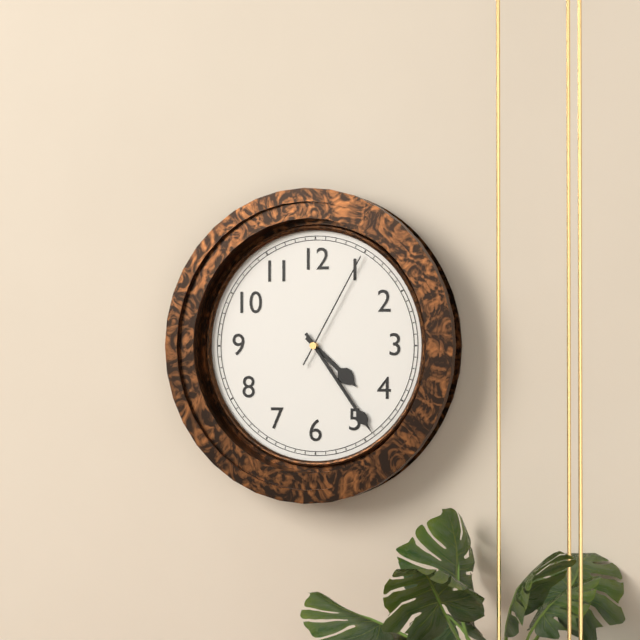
4:24:05
